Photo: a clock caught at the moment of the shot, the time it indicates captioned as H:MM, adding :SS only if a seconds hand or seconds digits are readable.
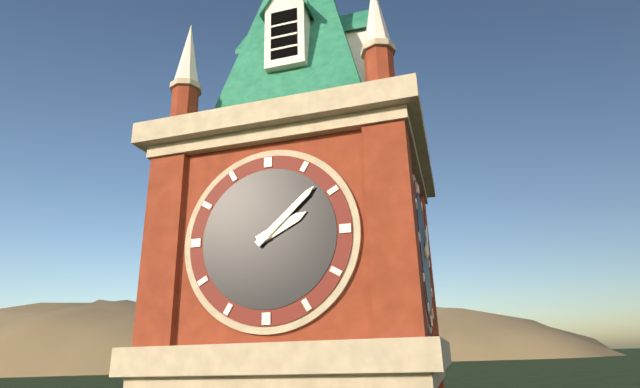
2:08
